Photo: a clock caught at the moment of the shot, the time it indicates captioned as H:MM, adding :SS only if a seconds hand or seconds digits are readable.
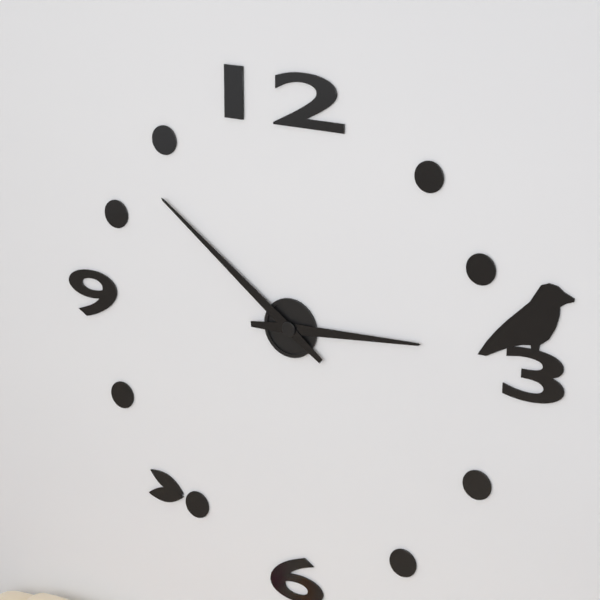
2:51
